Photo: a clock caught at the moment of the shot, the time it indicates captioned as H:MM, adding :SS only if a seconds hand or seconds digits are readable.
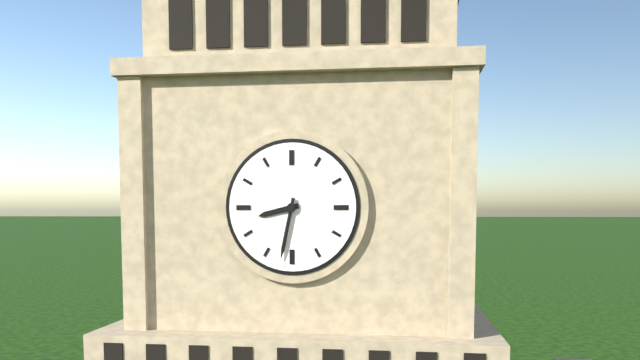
8:32
